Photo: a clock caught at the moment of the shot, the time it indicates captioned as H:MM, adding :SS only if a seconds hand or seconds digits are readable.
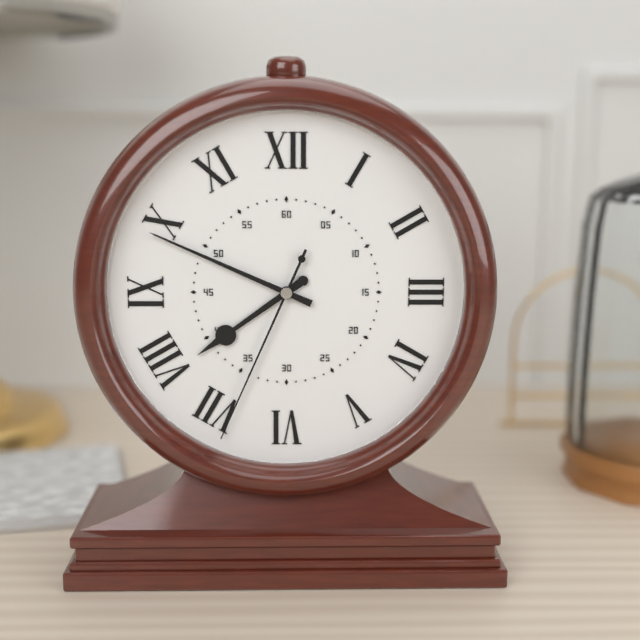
7:49:34
